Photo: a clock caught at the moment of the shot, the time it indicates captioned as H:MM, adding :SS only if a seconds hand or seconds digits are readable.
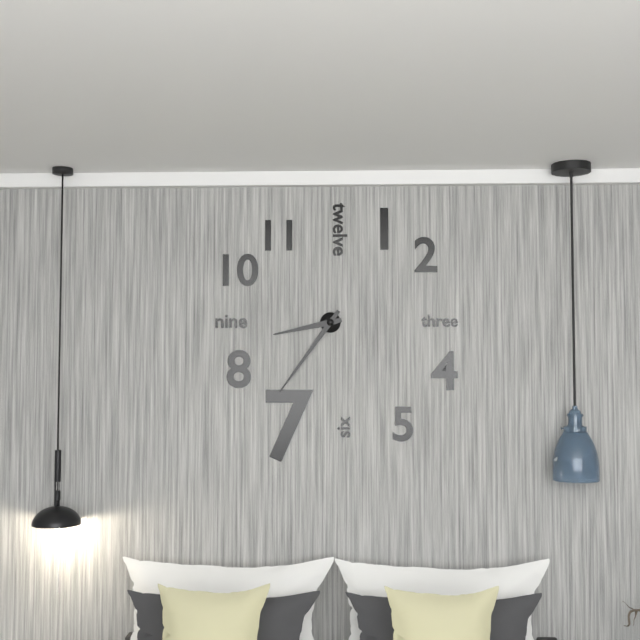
8:36
